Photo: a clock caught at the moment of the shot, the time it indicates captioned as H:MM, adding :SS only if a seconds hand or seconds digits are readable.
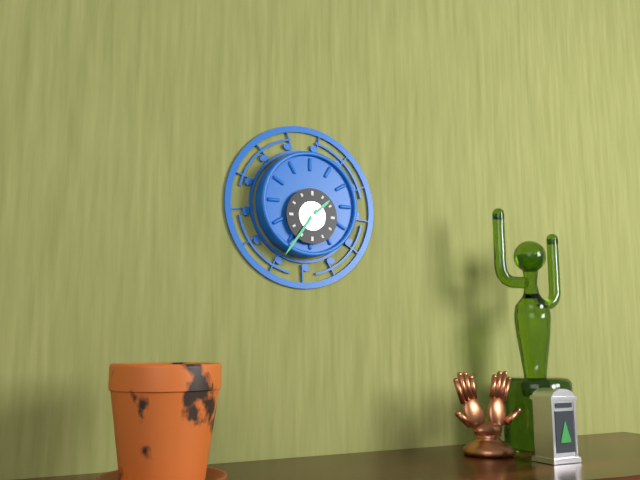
1:36
